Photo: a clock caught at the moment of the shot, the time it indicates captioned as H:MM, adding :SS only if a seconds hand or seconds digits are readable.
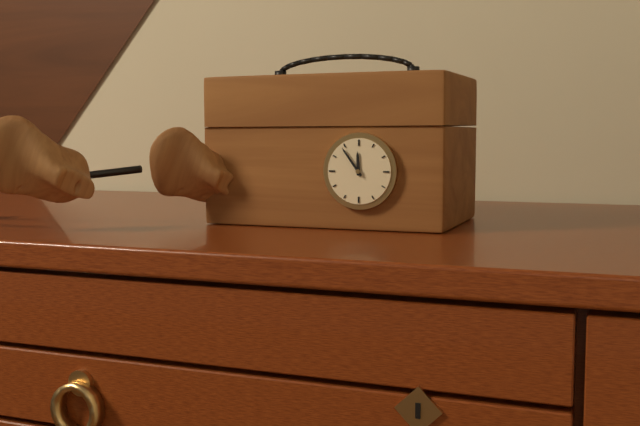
11:54
